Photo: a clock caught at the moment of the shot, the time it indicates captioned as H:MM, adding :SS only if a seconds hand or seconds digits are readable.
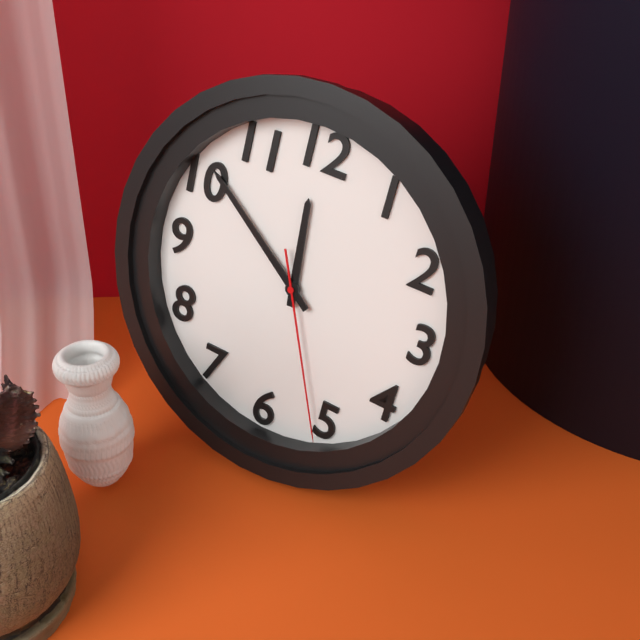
11:51:26
